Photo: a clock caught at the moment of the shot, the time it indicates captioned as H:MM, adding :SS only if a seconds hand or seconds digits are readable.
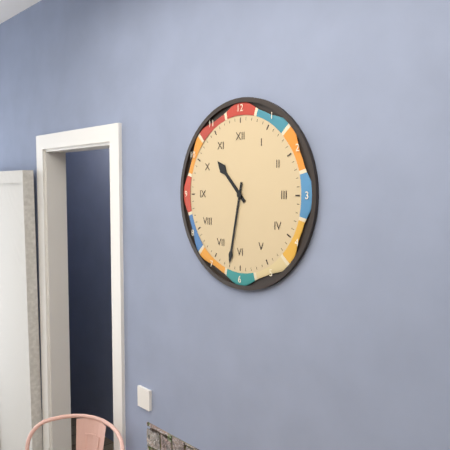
10:32
